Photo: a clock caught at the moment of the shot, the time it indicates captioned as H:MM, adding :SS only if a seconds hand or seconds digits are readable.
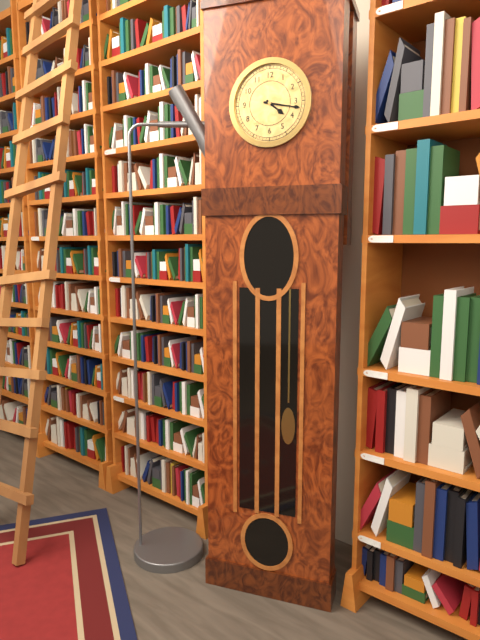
4:17
